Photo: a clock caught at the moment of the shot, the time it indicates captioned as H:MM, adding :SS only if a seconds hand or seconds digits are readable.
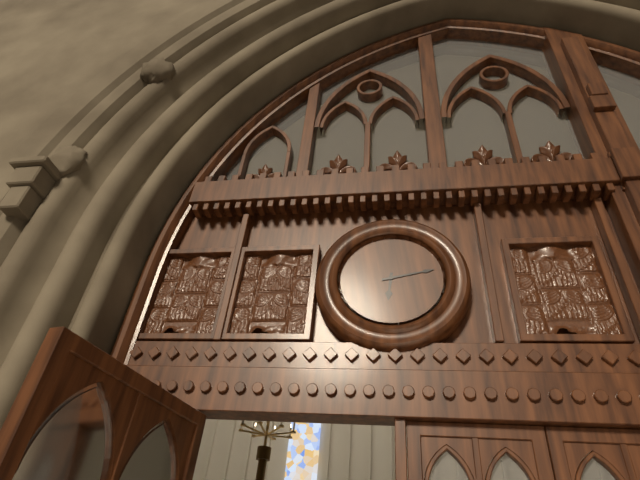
6:13
